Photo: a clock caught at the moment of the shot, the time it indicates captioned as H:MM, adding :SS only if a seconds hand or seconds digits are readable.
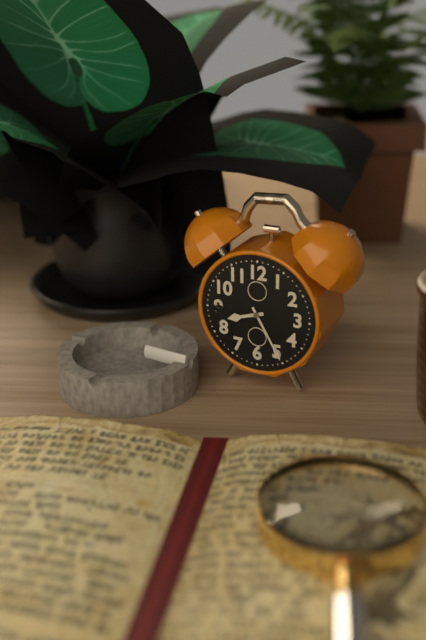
8:25
